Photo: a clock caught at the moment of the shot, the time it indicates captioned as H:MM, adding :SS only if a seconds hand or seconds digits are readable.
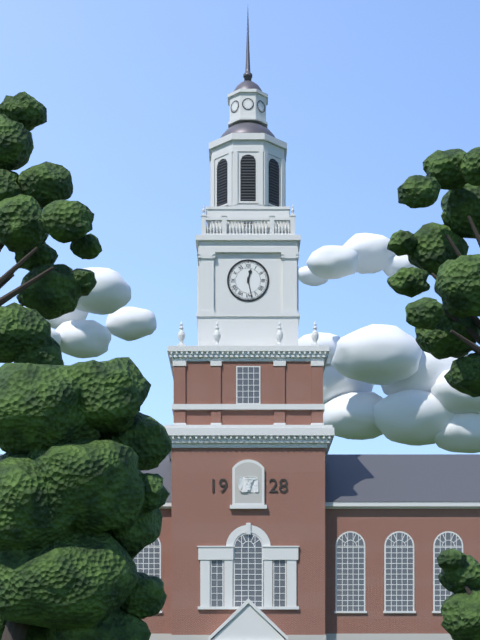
12:28
